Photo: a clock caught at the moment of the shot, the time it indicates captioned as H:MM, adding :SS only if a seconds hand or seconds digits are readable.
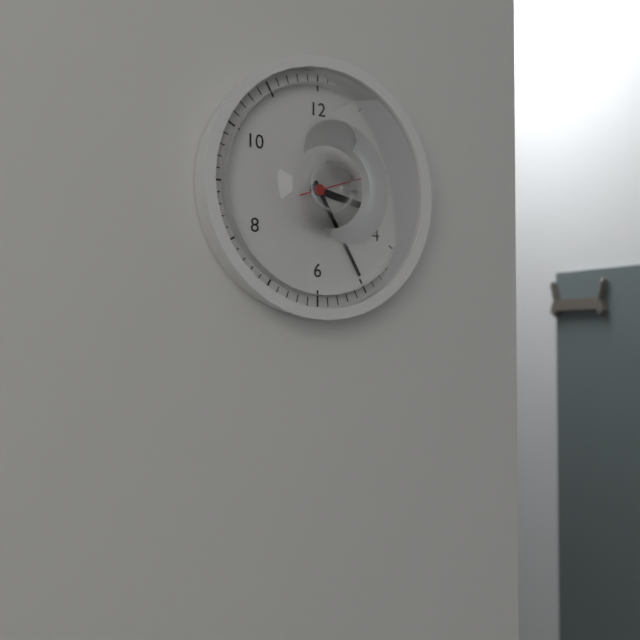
3:25:12
